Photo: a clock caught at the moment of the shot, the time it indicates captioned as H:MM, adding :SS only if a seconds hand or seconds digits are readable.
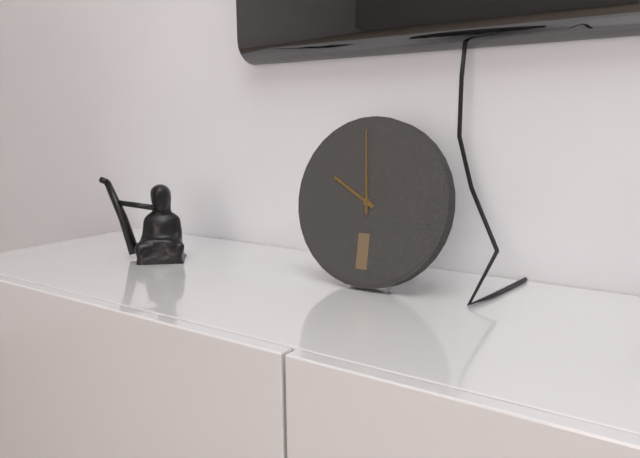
9:59
